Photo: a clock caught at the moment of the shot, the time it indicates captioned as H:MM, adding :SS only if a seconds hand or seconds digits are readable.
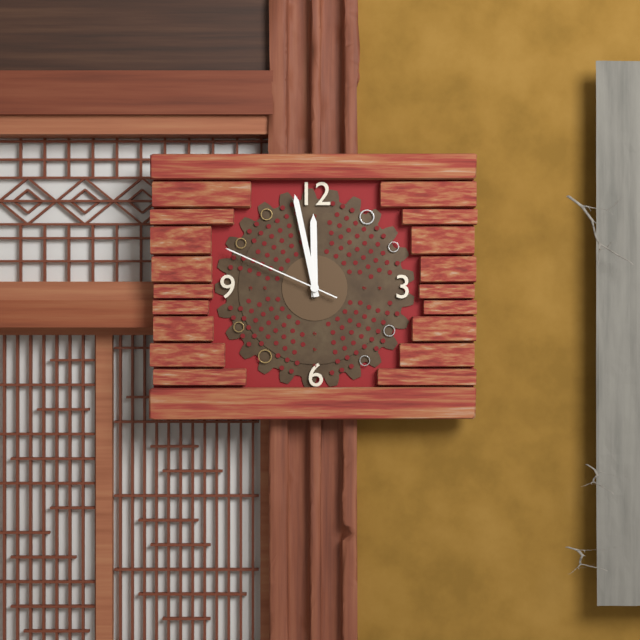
11:58:49
